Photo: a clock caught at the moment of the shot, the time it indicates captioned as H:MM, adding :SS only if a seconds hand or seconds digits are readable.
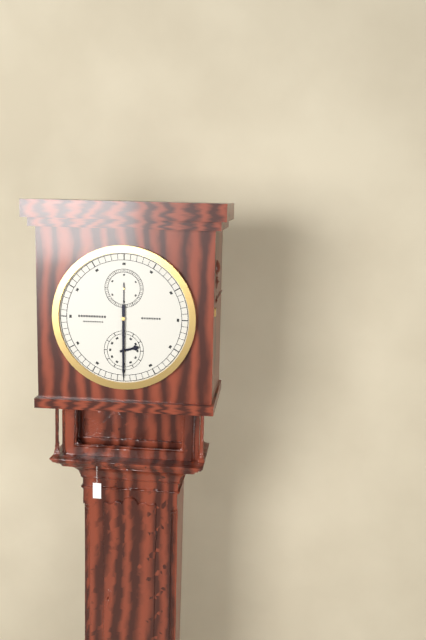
2:30
